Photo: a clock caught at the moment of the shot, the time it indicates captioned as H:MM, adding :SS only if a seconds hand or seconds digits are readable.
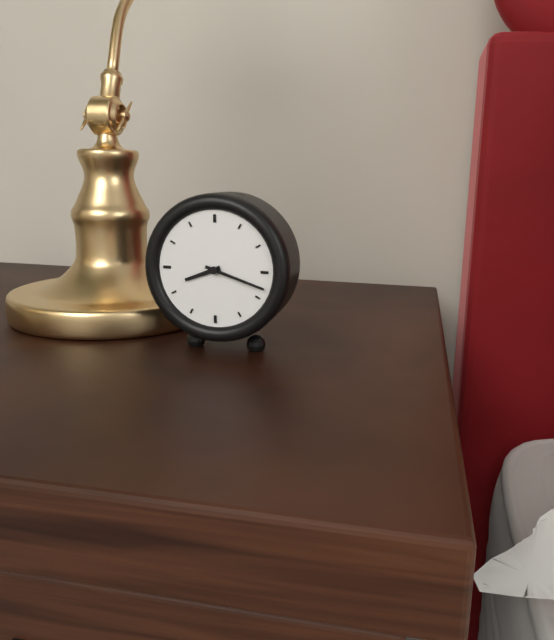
8:18
